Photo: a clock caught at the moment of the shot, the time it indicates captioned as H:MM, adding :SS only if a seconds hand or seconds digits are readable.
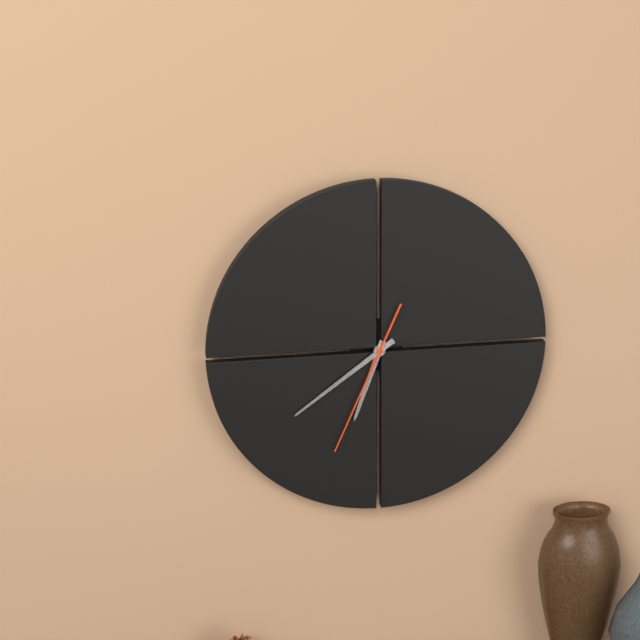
6:39:34
